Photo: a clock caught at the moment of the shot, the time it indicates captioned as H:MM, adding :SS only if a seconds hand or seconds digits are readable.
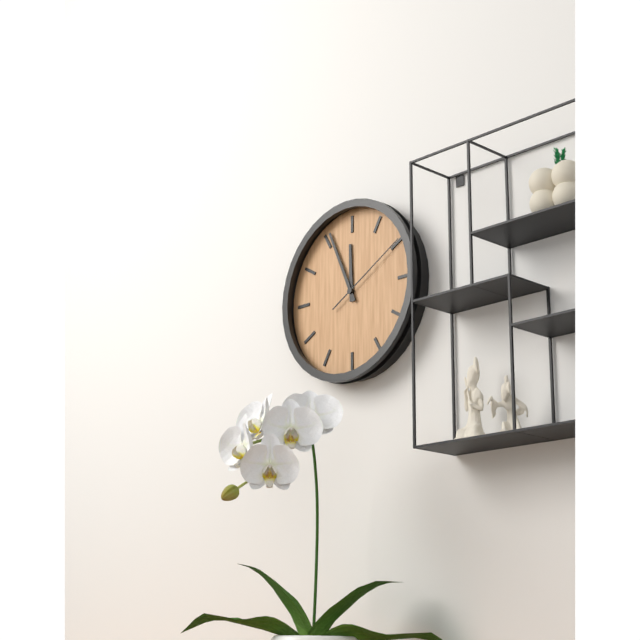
11:56:10
